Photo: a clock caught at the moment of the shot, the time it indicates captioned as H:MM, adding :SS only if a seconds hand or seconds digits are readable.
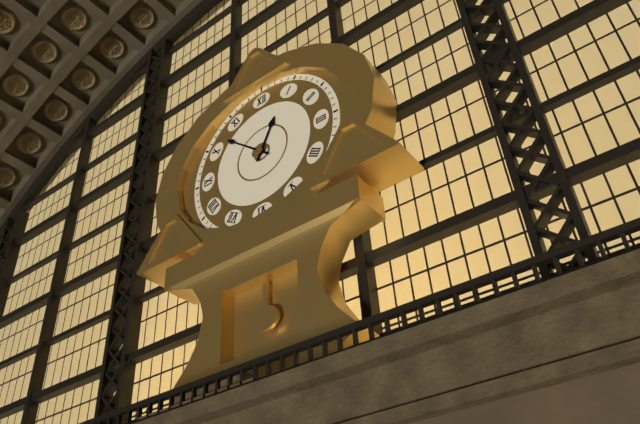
12:52
